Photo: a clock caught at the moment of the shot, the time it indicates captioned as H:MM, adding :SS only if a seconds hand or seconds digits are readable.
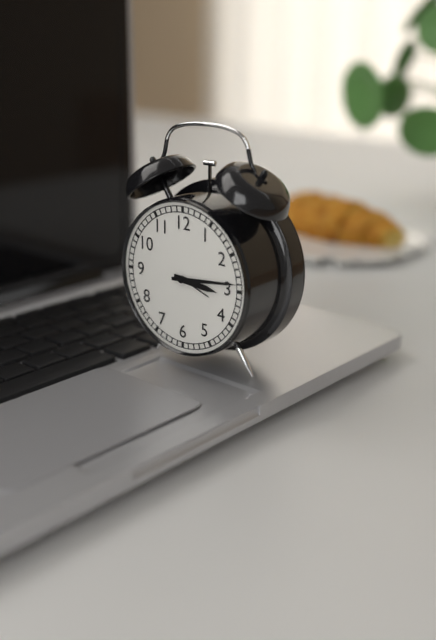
3:14
